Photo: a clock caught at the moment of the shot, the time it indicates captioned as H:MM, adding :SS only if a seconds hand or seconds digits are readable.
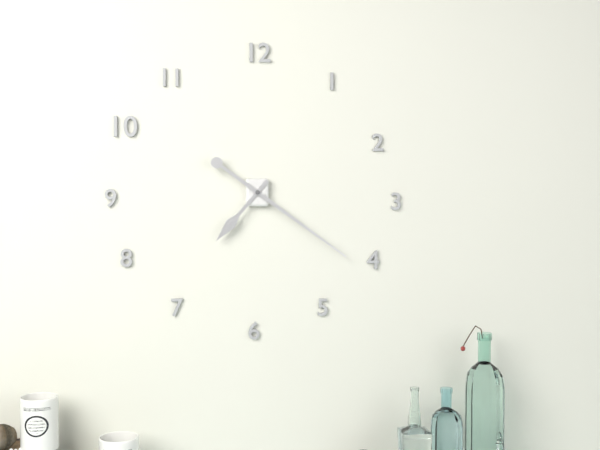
7:21
